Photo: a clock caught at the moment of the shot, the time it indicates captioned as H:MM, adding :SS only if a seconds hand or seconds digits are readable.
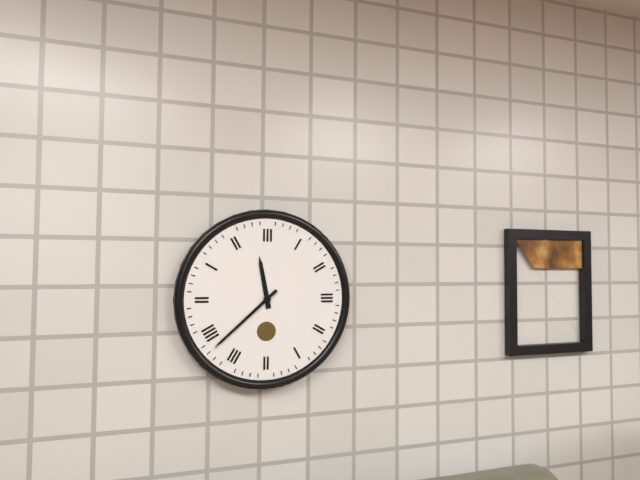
11:38
